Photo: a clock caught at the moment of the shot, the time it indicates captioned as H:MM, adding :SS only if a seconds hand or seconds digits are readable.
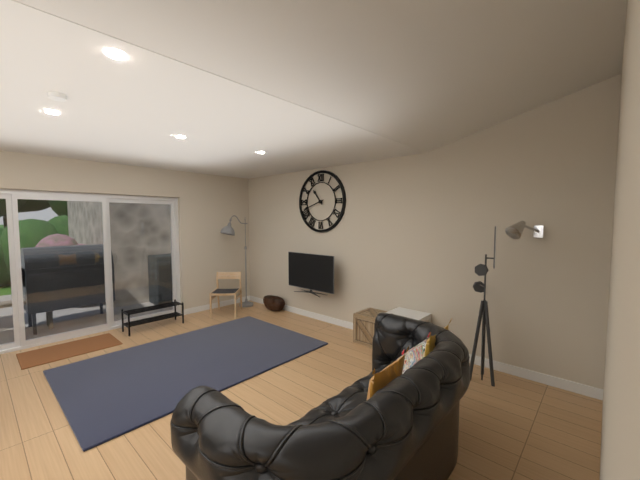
10:42
